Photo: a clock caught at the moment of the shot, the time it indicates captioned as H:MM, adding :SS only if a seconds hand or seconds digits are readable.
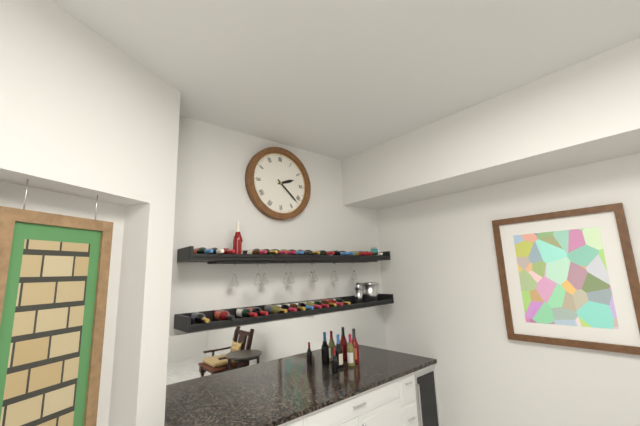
2:22
